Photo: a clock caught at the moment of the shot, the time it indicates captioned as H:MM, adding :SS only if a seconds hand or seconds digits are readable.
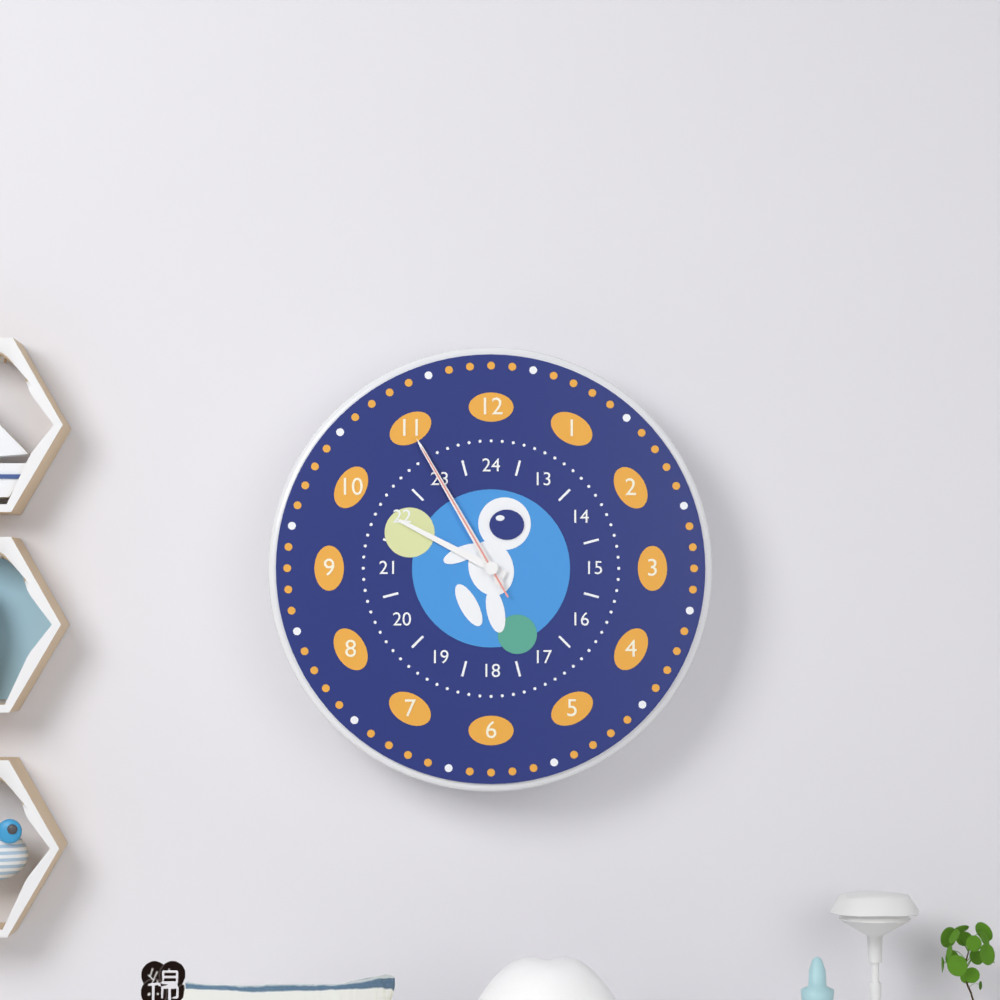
9:55:55
